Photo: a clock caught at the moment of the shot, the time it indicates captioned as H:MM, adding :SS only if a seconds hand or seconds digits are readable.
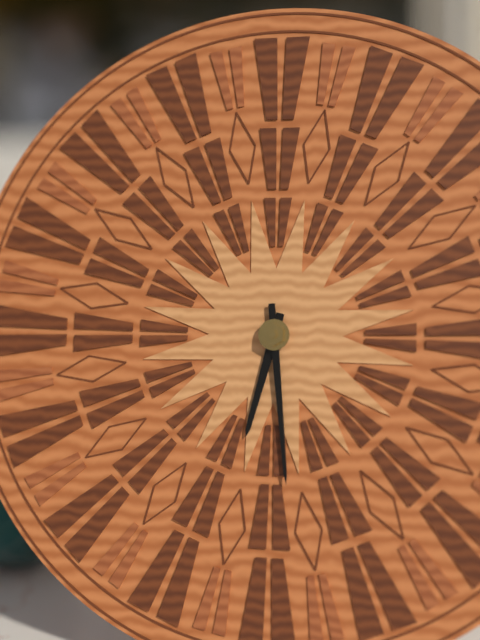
6:29
